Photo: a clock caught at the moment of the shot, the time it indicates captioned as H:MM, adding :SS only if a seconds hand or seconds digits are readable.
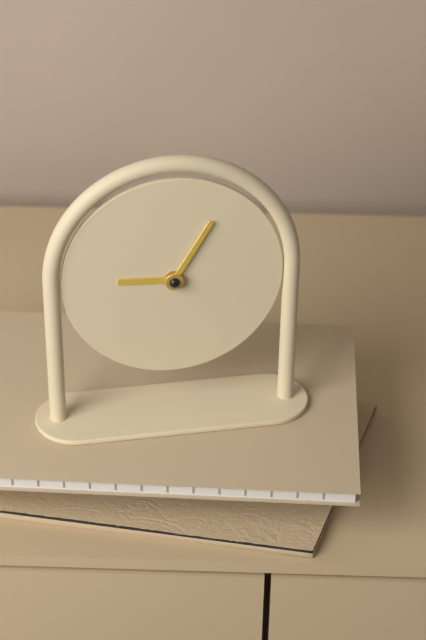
9:05
